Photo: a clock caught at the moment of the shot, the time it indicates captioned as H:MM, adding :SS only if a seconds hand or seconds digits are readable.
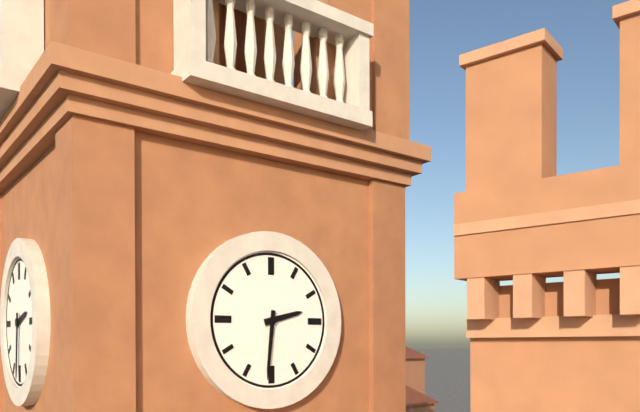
2:31
